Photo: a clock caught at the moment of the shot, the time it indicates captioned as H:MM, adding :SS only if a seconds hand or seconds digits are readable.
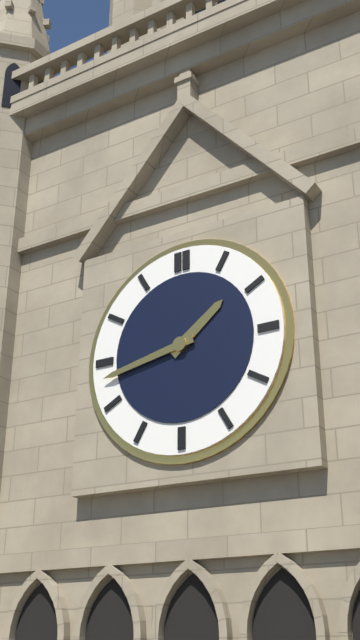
1:43
